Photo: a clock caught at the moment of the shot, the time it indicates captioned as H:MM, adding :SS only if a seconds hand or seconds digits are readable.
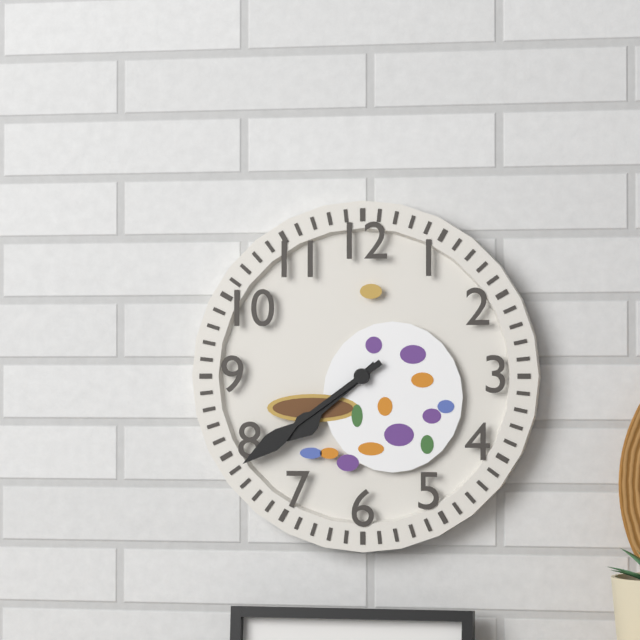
7:39
